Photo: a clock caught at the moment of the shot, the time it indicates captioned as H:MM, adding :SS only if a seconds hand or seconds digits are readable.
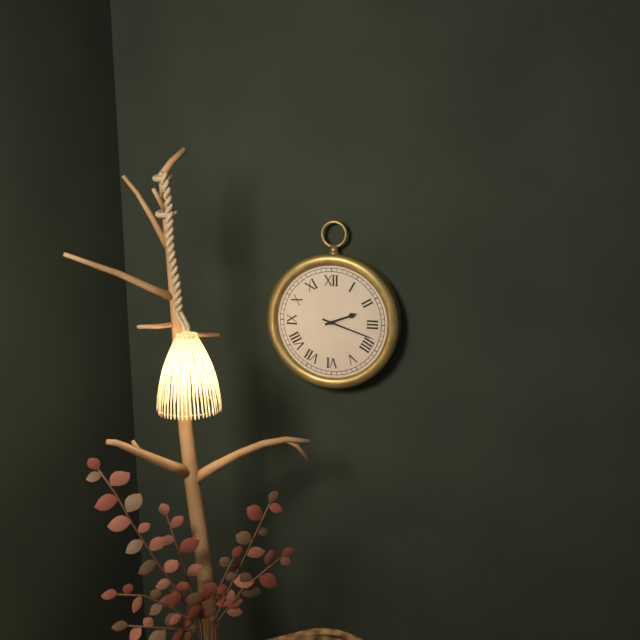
2:18
